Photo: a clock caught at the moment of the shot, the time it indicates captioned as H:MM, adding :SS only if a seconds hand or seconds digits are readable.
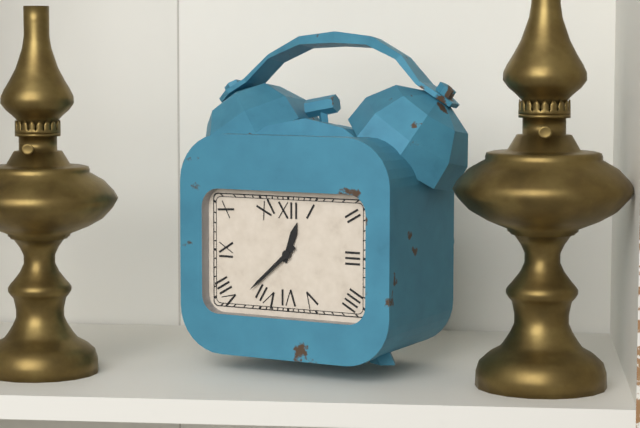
12:38
